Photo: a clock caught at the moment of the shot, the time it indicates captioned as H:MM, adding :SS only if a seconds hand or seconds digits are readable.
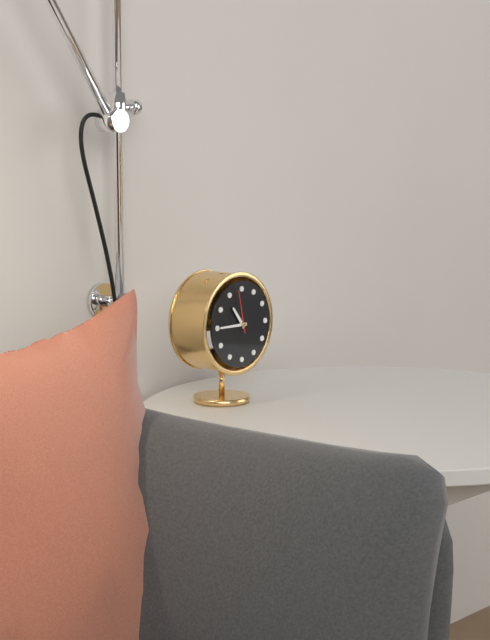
10:45
